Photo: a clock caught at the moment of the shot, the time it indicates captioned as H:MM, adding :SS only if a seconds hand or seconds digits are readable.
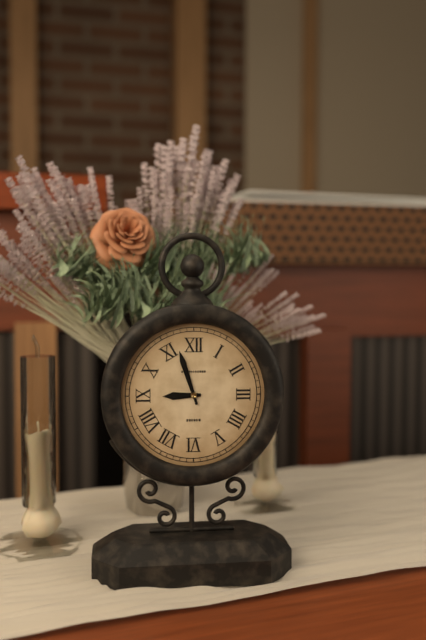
8:57
